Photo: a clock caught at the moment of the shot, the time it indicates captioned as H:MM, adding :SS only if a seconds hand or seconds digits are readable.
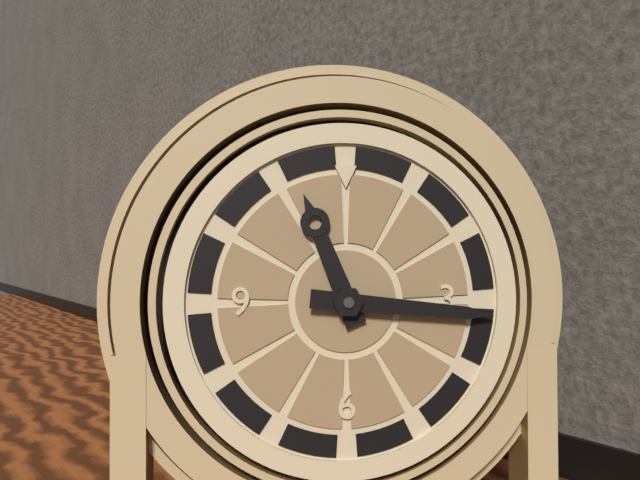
11:16
